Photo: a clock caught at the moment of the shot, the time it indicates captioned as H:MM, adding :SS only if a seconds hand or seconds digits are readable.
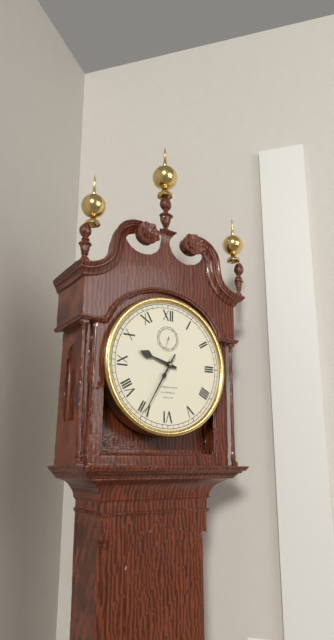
9:35
